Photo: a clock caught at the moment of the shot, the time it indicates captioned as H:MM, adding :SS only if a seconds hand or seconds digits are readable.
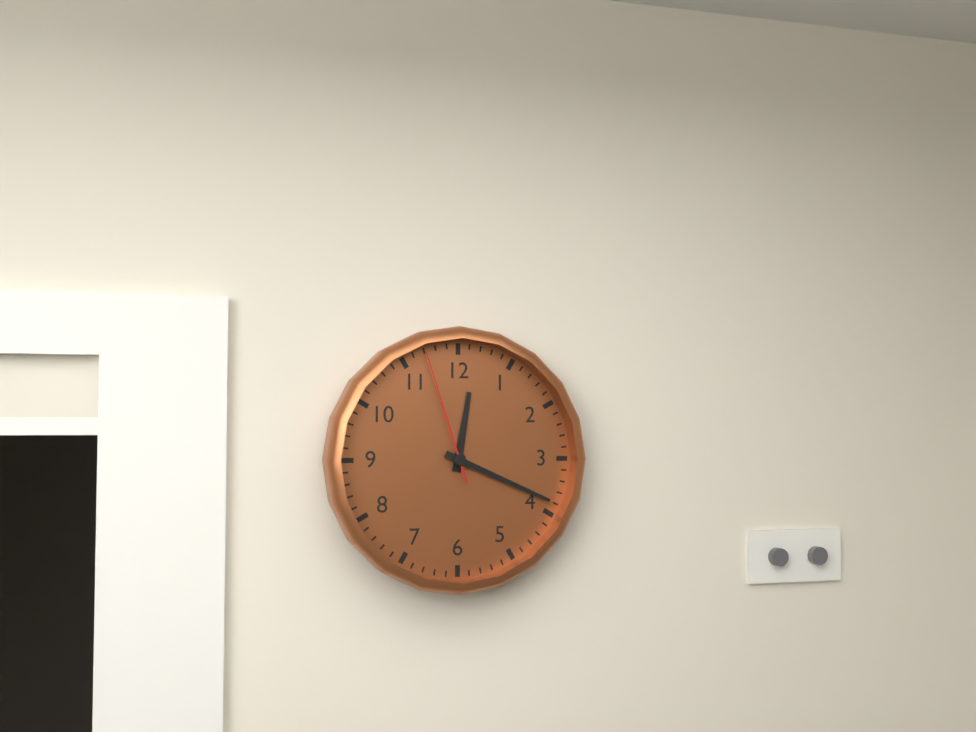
12:19:57
